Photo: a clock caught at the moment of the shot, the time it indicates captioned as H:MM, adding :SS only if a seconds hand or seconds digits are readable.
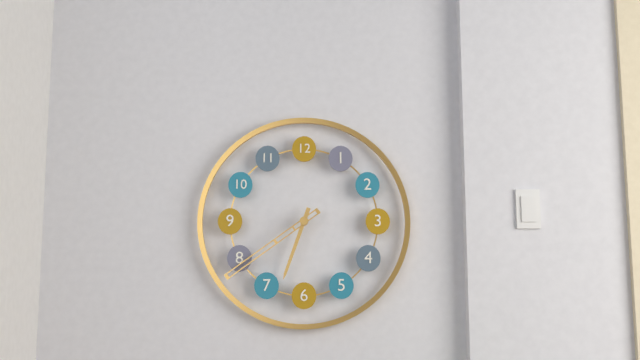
6:39
